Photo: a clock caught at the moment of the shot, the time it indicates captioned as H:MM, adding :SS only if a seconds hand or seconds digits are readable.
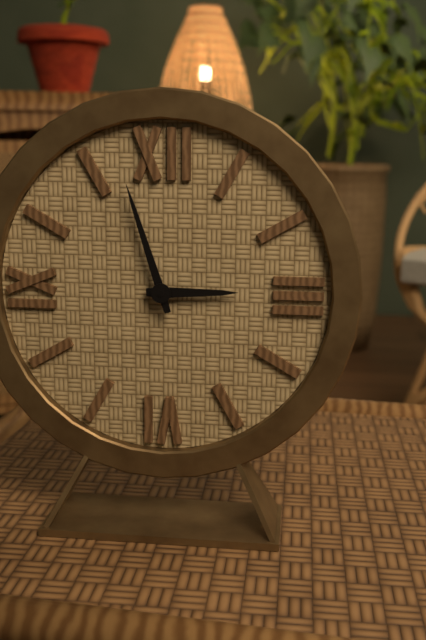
2:57
